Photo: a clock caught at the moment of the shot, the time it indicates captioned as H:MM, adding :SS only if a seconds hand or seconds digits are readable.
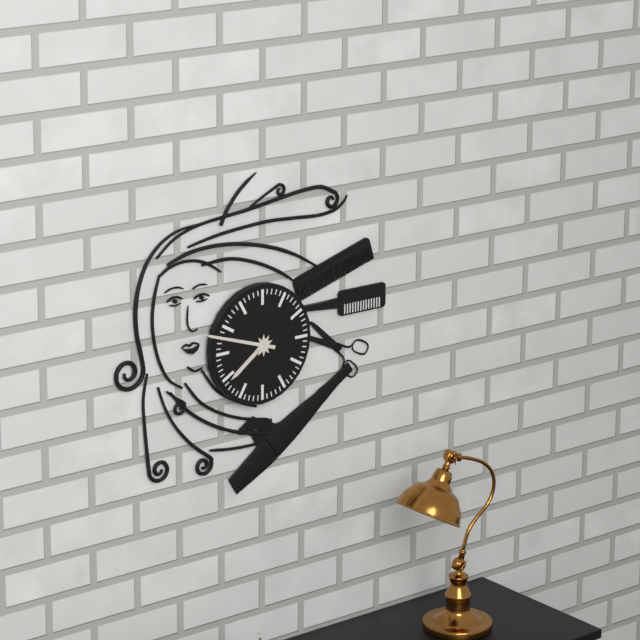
7:48
